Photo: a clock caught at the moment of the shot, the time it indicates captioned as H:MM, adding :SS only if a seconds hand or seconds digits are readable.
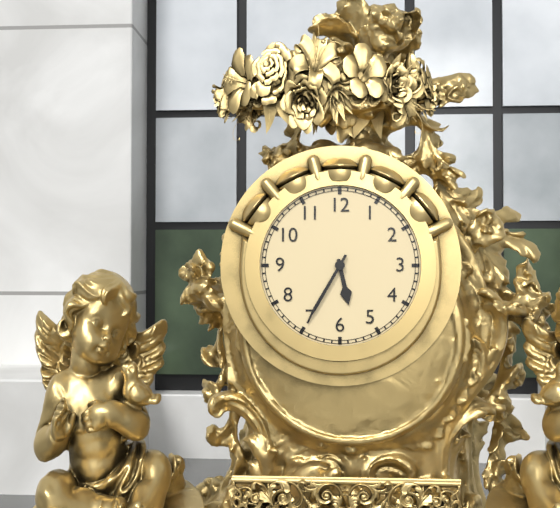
5:35
